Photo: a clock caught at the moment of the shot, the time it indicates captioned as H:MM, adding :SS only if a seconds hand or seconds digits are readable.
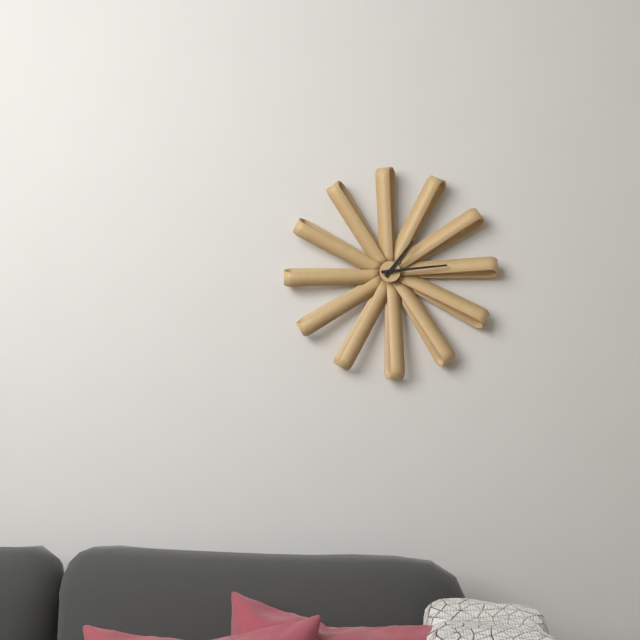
1:14
